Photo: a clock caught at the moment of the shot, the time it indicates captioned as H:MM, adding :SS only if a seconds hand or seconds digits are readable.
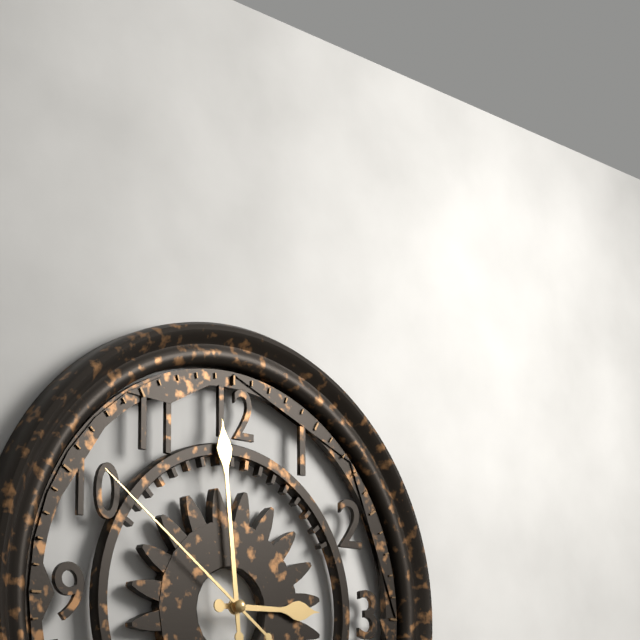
2:59:51
